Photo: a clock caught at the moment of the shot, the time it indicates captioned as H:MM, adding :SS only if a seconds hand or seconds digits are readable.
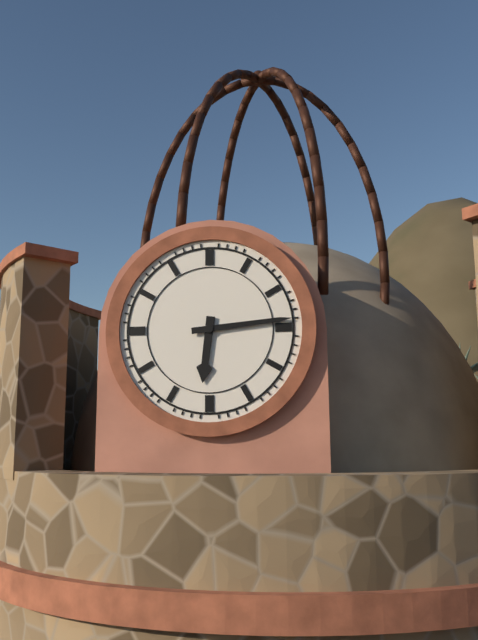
6:14
